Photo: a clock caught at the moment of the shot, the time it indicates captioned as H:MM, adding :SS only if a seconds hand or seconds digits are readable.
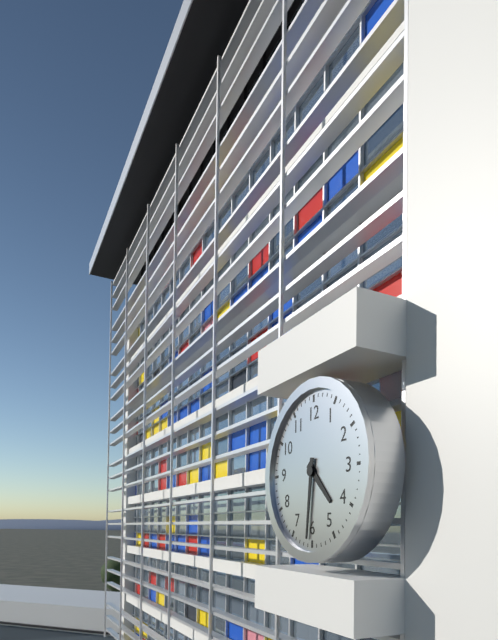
4:31
